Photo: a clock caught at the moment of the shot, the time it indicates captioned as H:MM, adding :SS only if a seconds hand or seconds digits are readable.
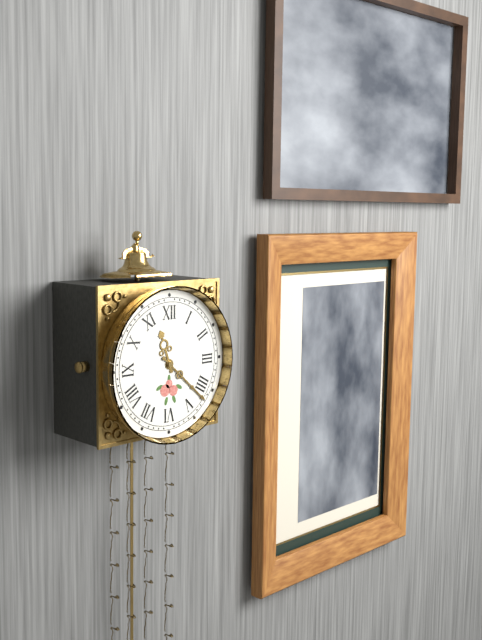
11:22
